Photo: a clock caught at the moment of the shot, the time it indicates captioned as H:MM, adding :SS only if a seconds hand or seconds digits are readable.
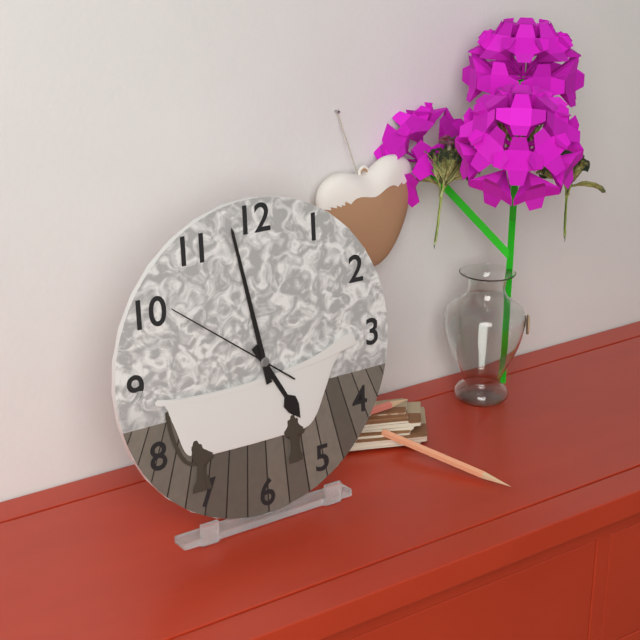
4:58:51
